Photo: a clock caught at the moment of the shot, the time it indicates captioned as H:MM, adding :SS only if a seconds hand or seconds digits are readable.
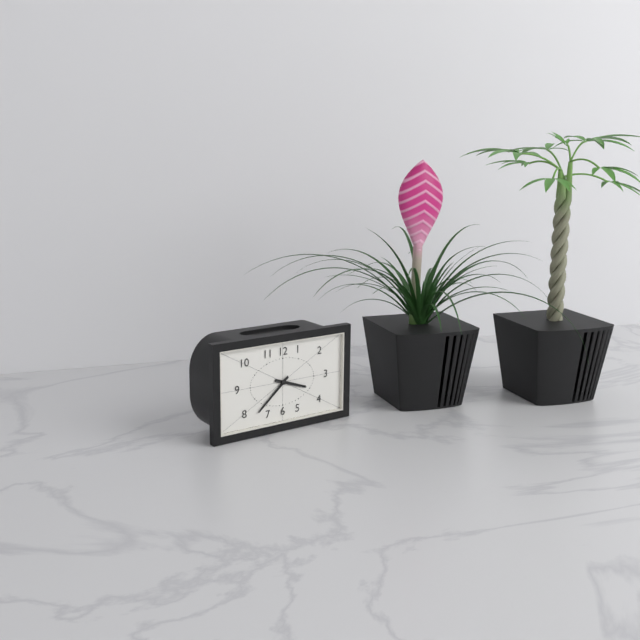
3:38
